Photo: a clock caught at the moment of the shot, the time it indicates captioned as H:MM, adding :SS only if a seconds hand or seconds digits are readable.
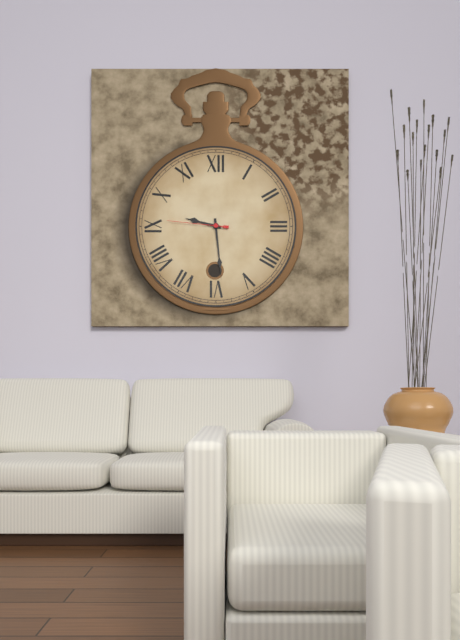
9:29:46
